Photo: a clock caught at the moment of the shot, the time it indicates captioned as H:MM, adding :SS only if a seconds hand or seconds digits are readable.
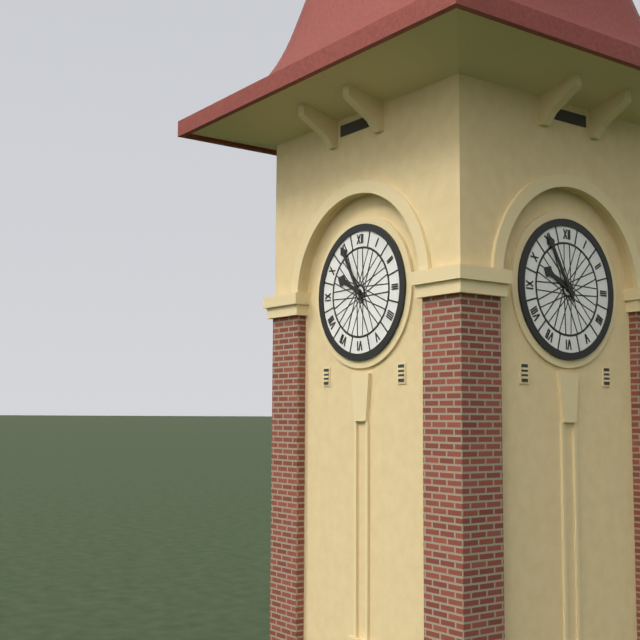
9:55
